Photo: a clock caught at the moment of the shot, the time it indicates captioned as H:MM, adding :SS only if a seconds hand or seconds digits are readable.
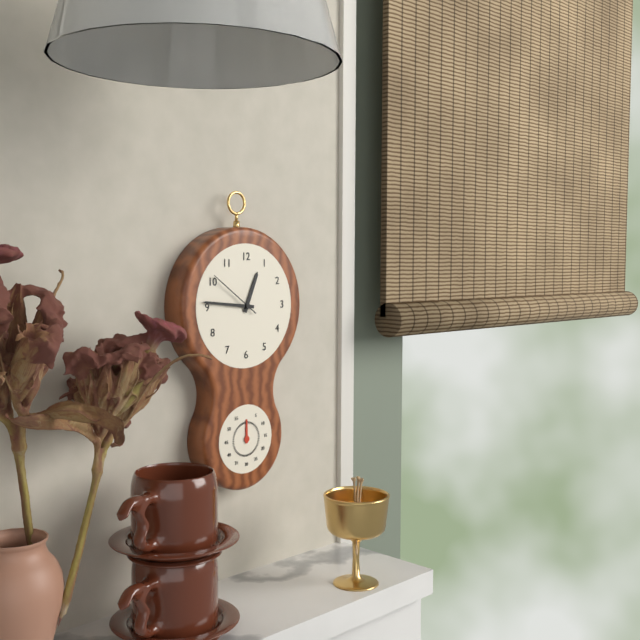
12:46:51
